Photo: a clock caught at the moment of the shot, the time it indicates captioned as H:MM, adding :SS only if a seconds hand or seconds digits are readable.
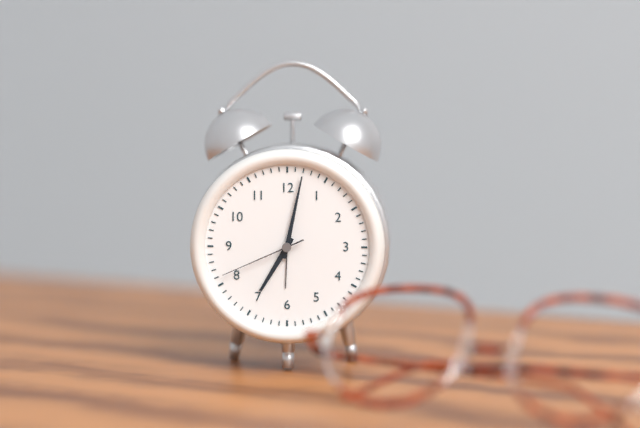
7:02:41
